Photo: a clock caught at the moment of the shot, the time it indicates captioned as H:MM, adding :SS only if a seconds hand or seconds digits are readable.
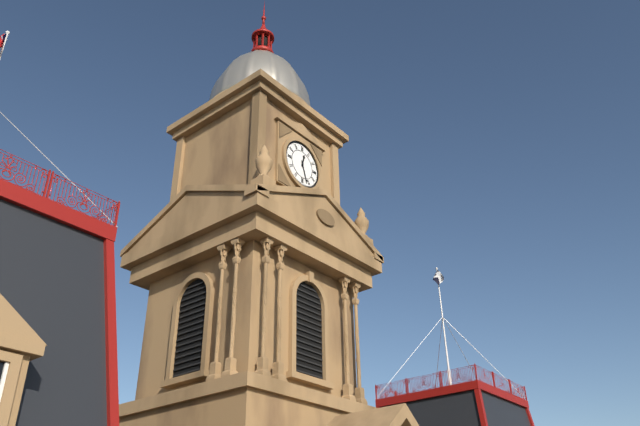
12:27
